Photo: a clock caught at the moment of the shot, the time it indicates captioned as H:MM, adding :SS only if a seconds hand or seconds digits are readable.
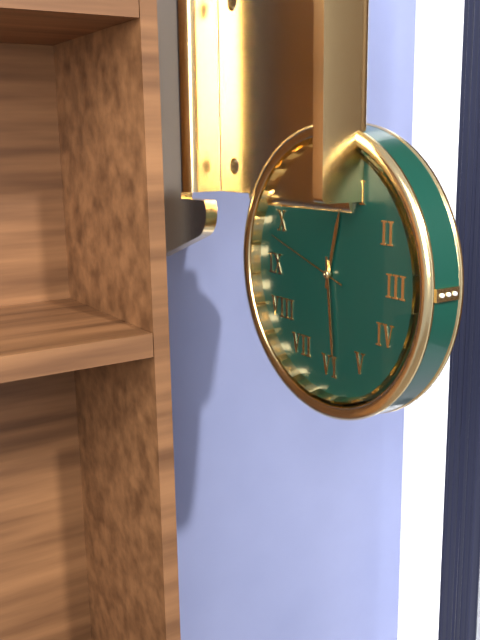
12:29:48
